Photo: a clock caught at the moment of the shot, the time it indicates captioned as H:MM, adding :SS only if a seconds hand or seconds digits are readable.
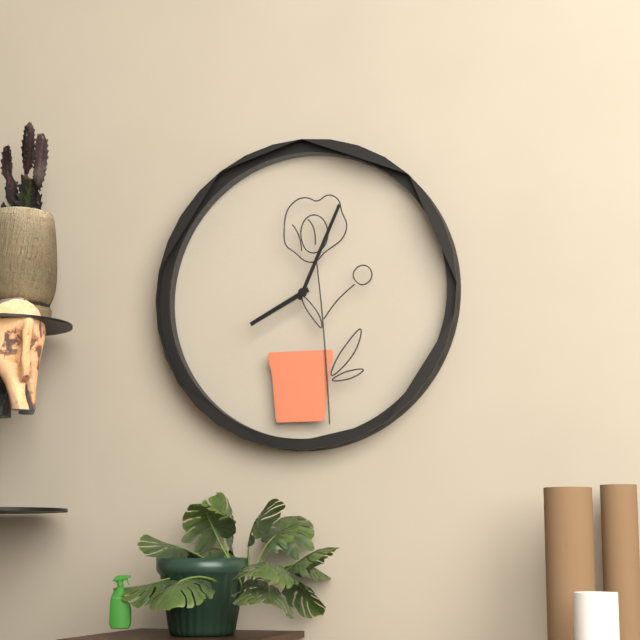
8:04
